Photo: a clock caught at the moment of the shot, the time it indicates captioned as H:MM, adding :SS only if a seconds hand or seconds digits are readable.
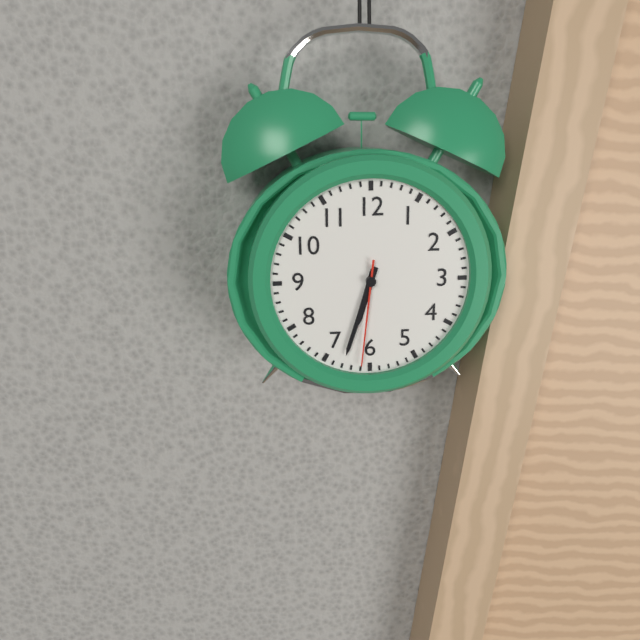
6:33:31
